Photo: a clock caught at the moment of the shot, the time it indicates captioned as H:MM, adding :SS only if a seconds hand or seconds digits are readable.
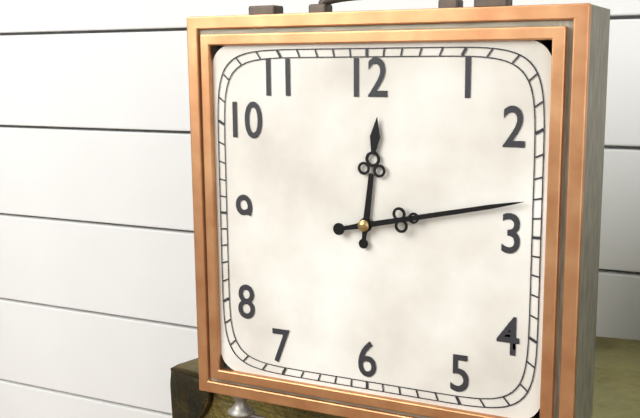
12:13
